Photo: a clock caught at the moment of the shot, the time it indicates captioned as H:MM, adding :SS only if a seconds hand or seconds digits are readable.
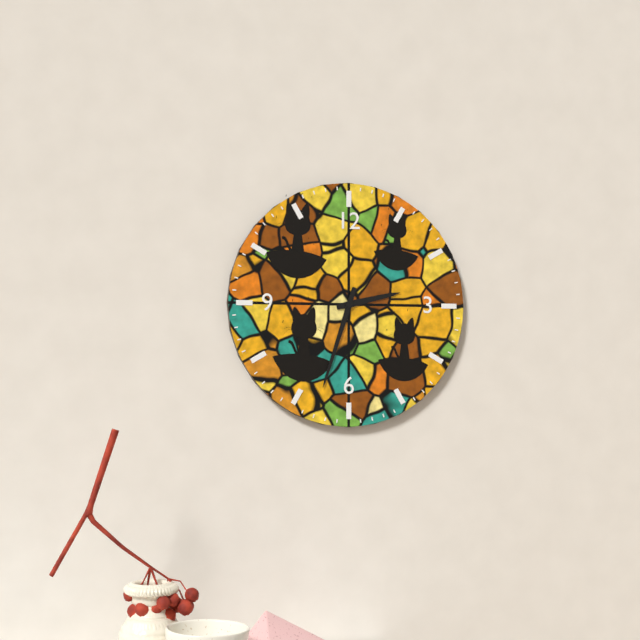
2:33
